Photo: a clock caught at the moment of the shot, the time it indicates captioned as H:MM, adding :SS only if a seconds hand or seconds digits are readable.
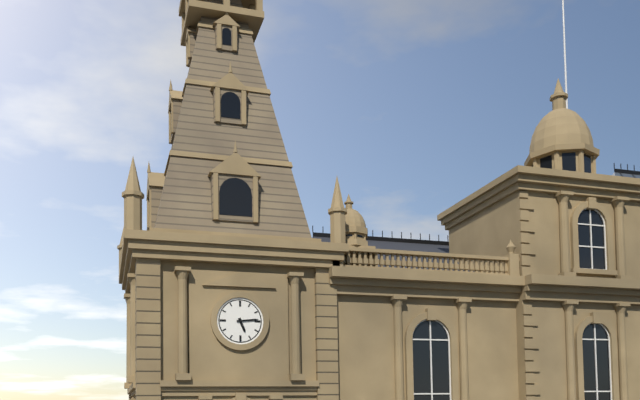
5:14
